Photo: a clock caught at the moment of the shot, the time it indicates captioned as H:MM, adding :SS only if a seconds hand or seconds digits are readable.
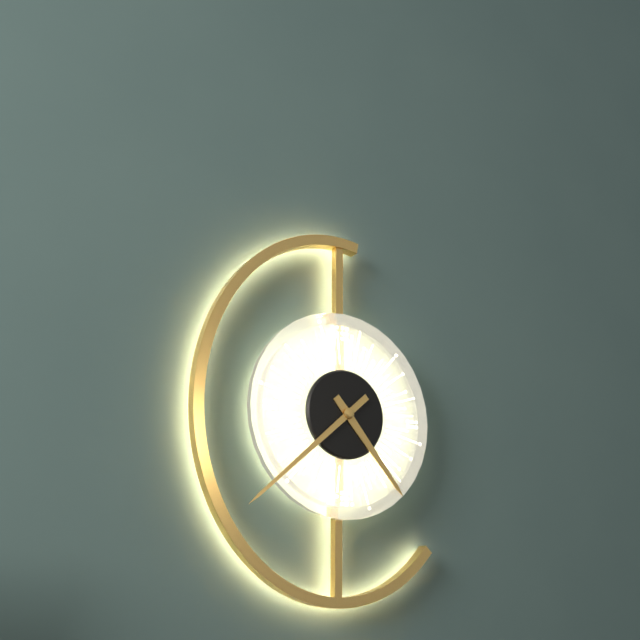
4:38
